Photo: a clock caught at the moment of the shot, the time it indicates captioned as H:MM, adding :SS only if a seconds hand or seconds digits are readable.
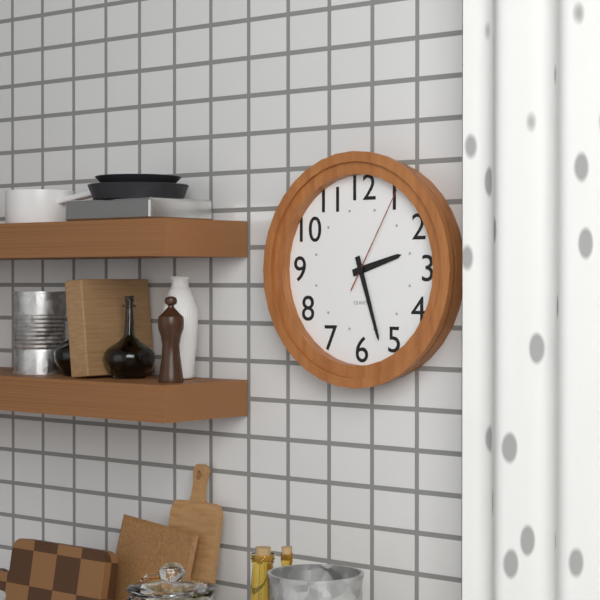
2:27:05
